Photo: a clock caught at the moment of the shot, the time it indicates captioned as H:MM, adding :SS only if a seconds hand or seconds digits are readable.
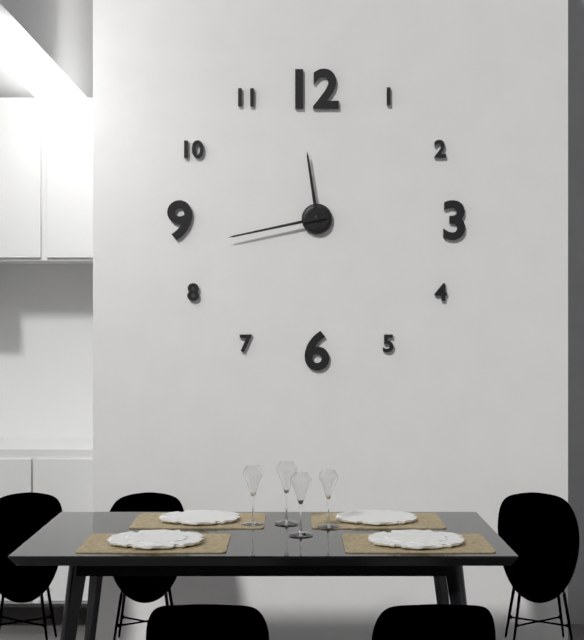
11:43
